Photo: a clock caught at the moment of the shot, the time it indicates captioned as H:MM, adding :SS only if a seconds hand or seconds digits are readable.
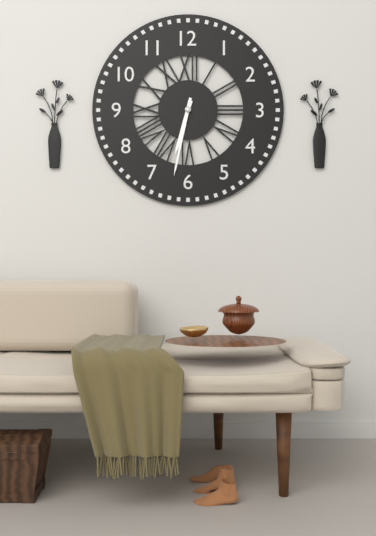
6:32
